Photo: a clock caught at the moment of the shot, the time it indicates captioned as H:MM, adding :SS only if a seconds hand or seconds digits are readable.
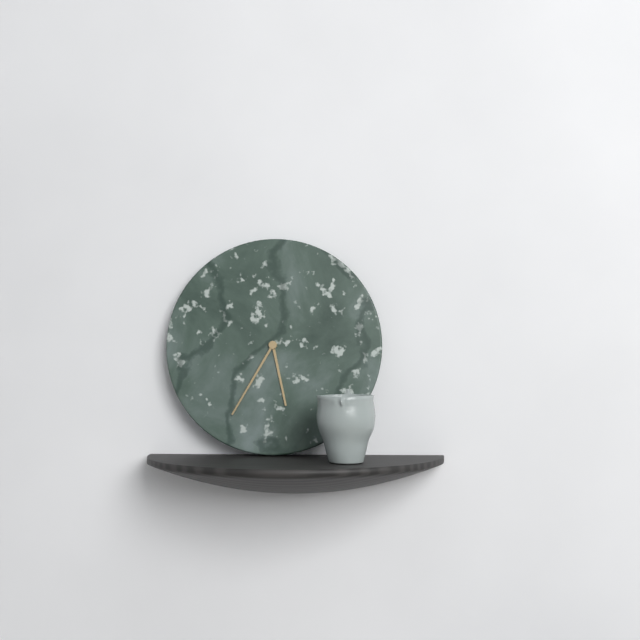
5:35
